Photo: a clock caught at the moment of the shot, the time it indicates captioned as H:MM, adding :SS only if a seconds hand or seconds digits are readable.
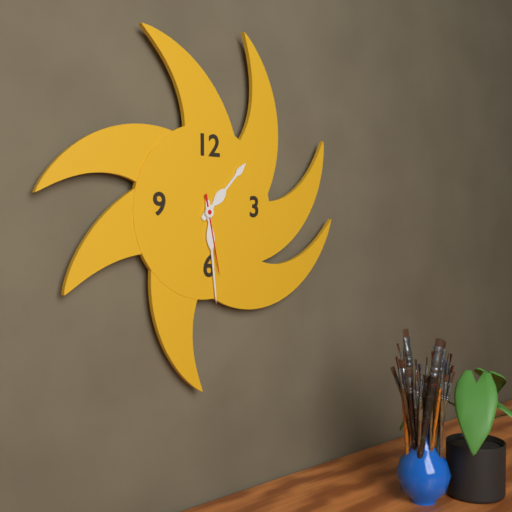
1:29:28
